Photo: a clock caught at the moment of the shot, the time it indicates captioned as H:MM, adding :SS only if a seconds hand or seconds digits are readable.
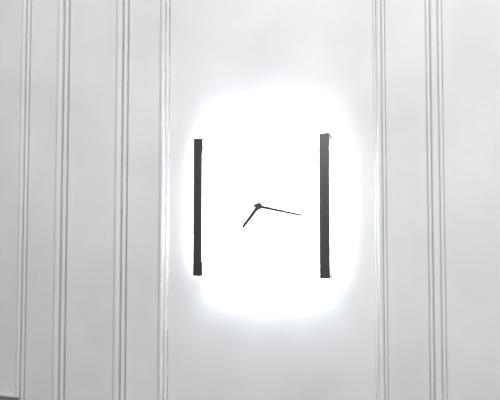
7:17
